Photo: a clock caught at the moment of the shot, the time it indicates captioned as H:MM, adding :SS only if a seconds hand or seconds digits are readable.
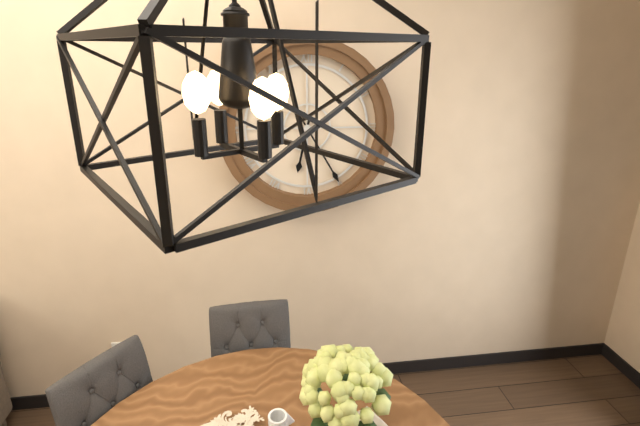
6:25
